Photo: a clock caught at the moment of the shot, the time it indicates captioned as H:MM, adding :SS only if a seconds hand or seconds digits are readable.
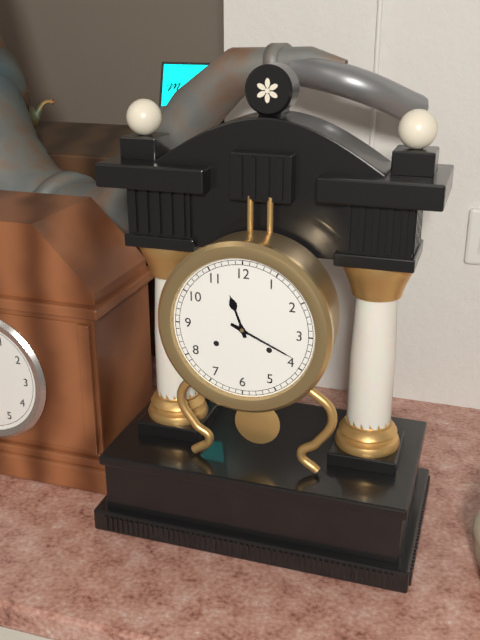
11:19
